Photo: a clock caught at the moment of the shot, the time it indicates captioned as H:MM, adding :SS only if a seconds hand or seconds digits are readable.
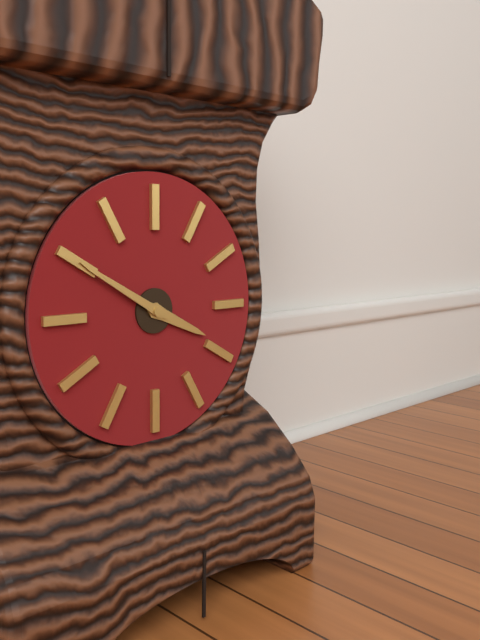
3:50
